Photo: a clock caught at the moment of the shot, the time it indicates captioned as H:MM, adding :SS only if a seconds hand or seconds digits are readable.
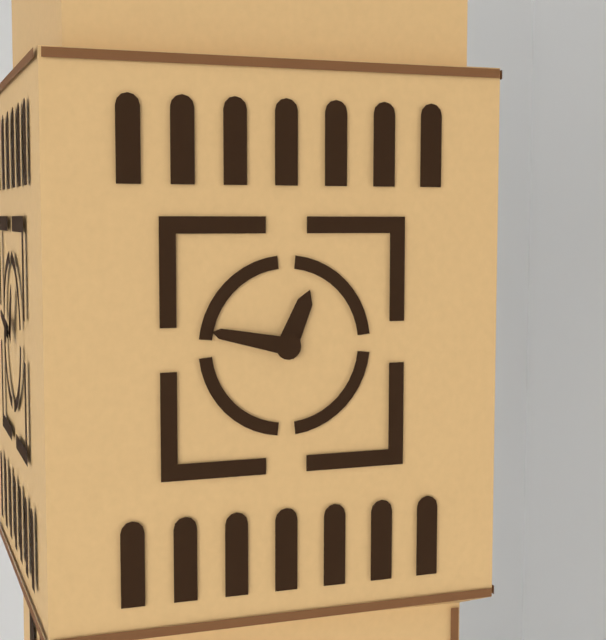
12:47
